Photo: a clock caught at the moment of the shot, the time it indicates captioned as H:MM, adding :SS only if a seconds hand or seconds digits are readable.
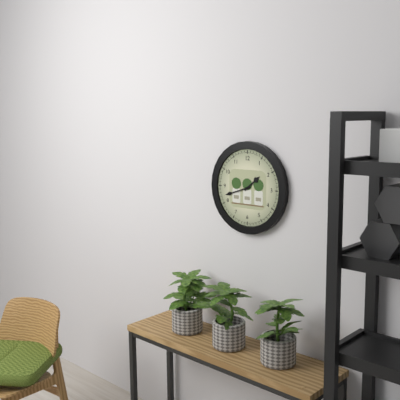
1:42
